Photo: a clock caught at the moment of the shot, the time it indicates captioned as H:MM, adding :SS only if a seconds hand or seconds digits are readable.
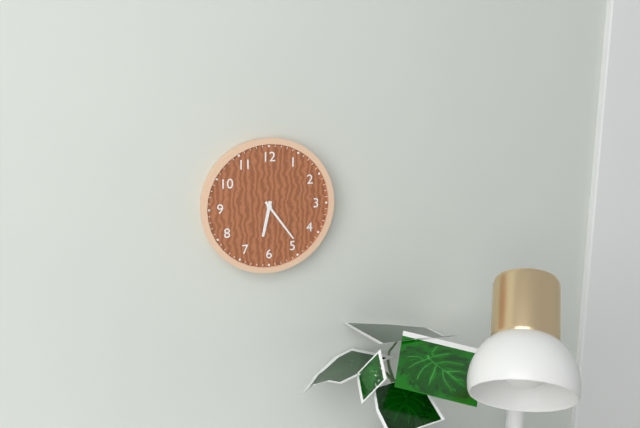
6:24
